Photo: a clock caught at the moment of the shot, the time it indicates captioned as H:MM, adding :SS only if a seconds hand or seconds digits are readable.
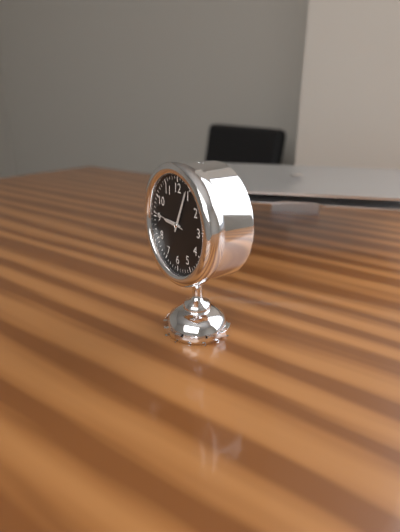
9:04
